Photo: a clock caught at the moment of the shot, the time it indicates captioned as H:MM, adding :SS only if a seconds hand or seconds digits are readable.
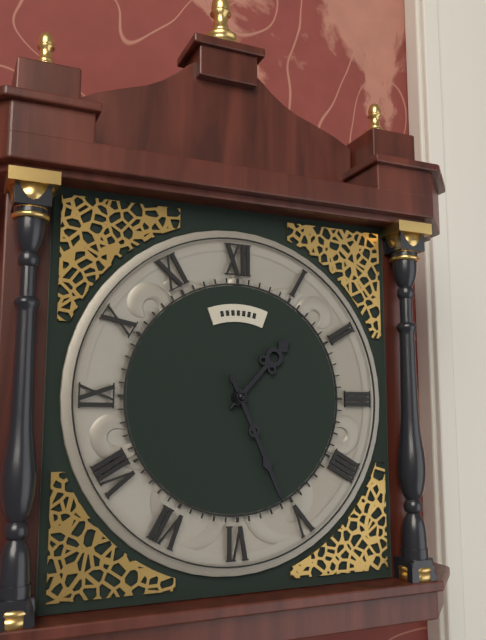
1:26
